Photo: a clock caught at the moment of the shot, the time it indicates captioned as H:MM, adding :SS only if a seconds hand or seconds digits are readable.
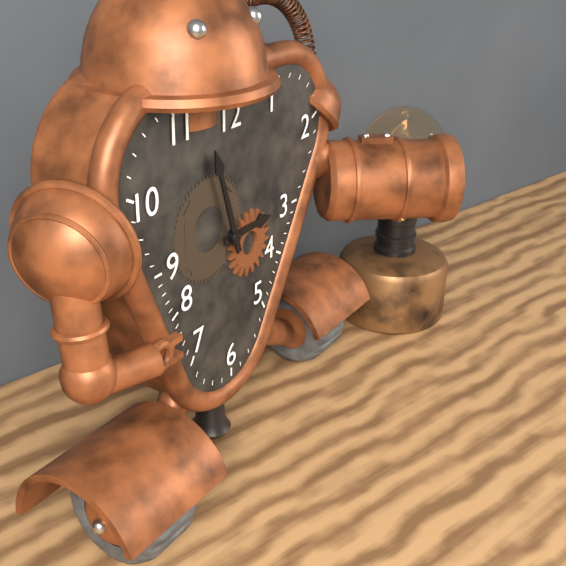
2:57
